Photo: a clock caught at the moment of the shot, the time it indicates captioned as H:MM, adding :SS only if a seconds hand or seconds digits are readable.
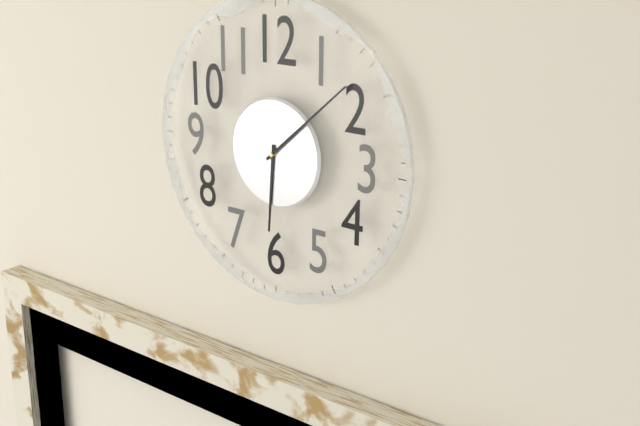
6:08
